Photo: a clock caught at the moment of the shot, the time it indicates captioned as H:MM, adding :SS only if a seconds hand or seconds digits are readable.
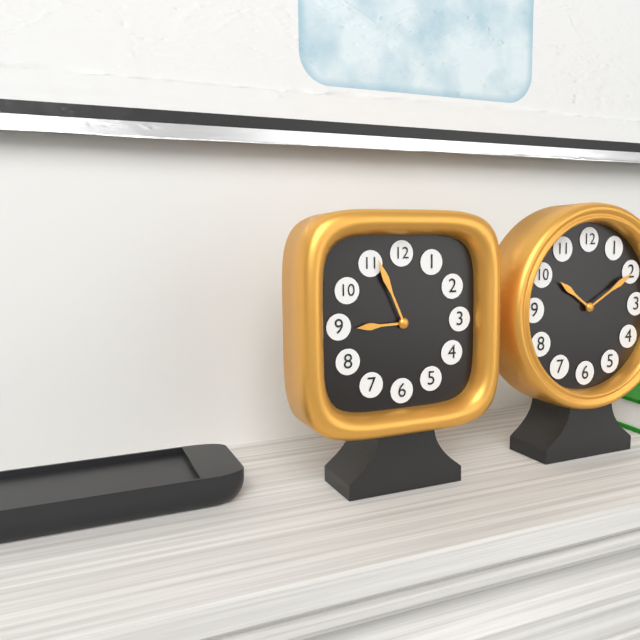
8:56
